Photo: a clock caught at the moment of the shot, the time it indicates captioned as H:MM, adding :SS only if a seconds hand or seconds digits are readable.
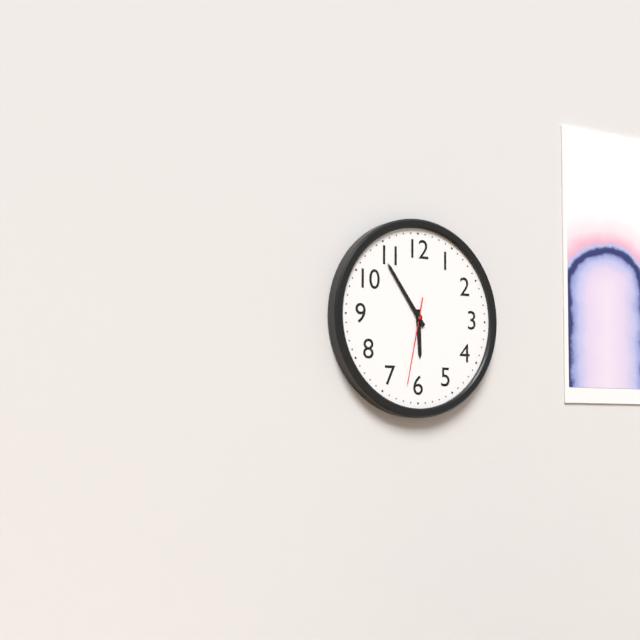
5:54:32
